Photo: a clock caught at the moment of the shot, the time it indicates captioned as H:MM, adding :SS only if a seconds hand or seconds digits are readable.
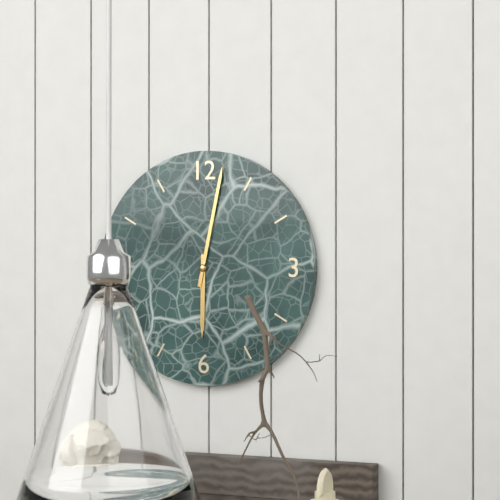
6:02
